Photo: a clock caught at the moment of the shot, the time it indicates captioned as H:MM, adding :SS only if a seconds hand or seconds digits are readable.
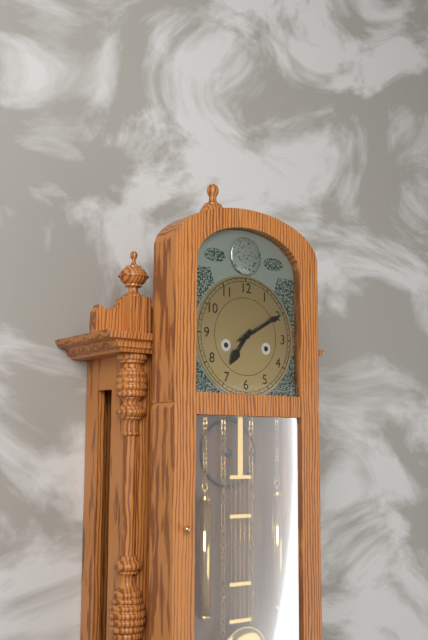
7:10
